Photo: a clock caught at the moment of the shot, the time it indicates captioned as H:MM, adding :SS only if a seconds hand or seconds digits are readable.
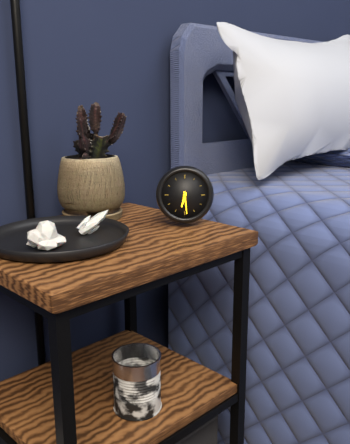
6:29
